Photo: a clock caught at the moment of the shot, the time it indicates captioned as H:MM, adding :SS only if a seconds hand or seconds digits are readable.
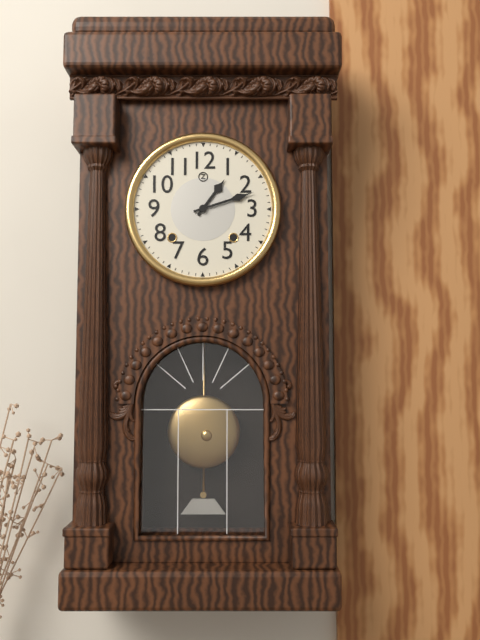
1:12
